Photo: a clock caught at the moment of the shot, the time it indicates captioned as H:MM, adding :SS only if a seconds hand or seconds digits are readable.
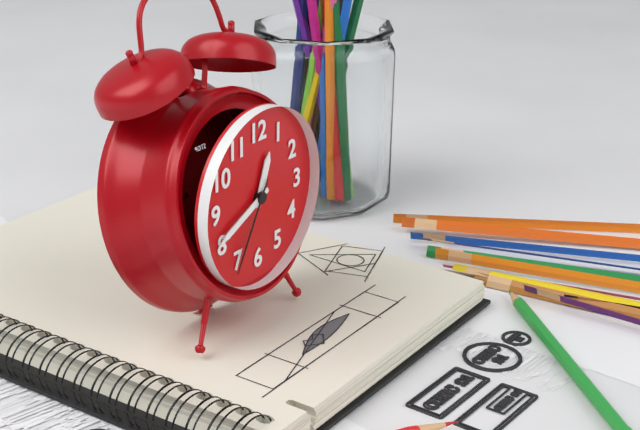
12:41:35
